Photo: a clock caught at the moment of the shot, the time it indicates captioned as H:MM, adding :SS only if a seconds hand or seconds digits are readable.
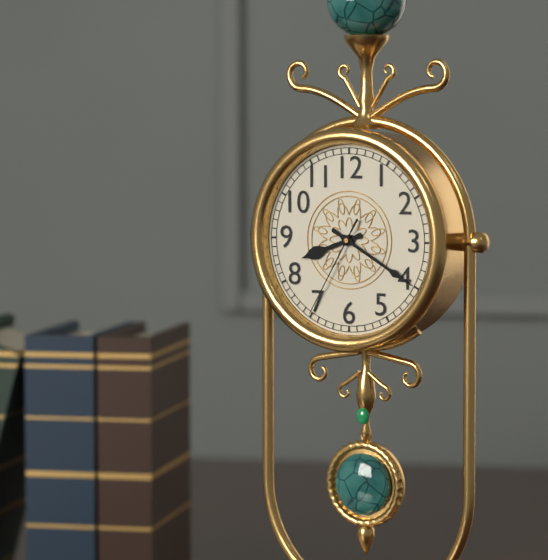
8:20:35
